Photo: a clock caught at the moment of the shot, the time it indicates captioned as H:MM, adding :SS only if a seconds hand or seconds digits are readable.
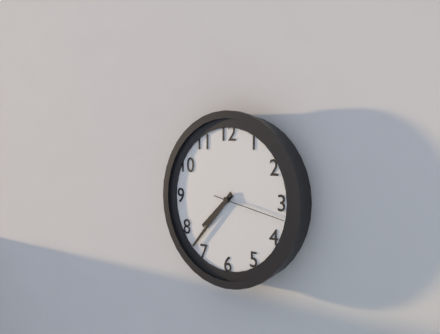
7:37:17
